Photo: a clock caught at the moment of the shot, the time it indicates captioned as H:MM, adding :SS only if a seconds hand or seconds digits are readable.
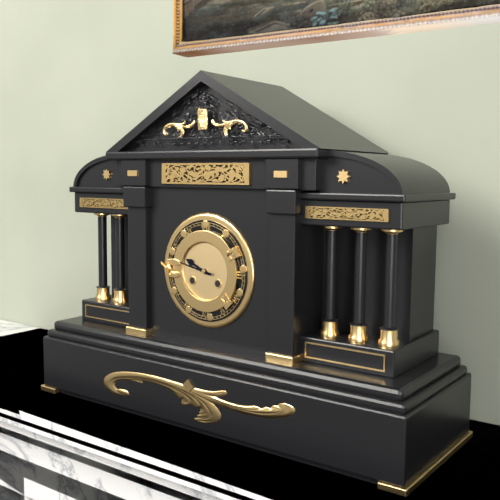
9:47
